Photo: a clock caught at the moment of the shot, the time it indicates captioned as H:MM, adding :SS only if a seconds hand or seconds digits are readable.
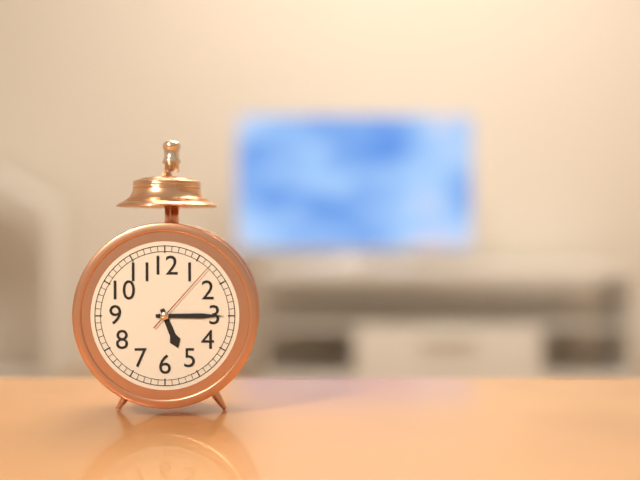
5:15:07
